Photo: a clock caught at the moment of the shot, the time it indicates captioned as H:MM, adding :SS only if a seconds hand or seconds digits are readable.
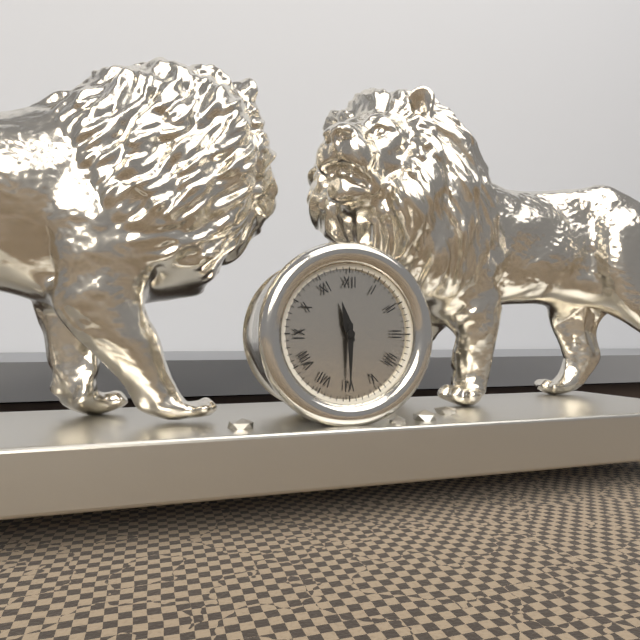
11:30
